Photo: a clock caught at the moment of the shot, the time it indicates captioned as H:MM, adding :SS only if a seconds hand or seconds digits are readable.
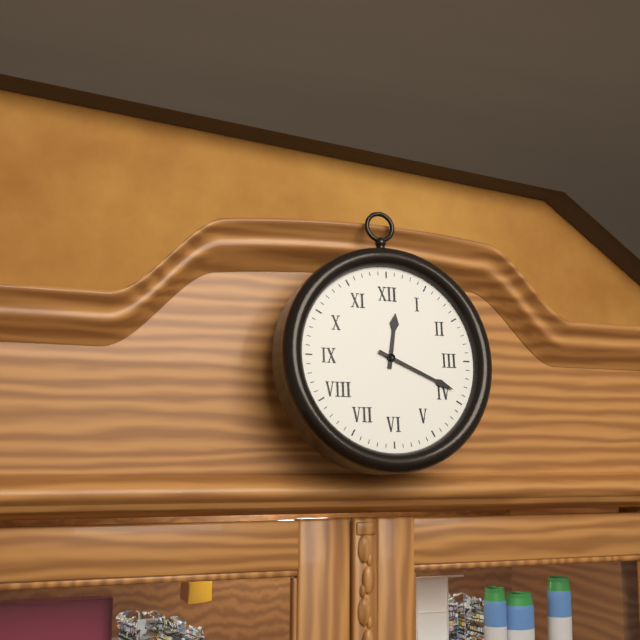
12:19
